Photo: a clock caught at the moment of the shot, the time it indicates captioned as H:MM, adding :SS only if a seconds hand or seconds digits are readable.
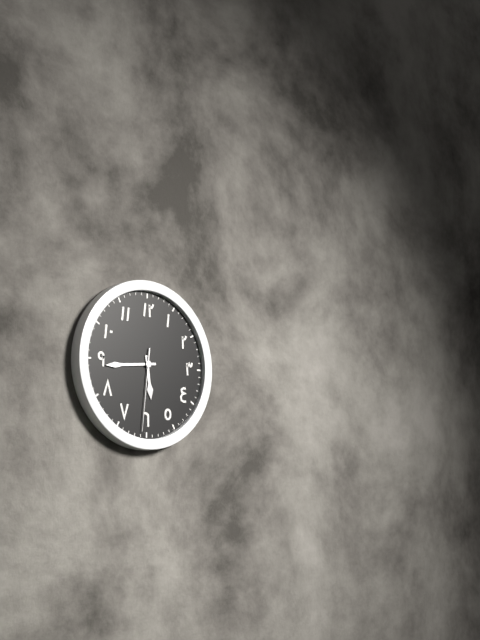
5:44:31
